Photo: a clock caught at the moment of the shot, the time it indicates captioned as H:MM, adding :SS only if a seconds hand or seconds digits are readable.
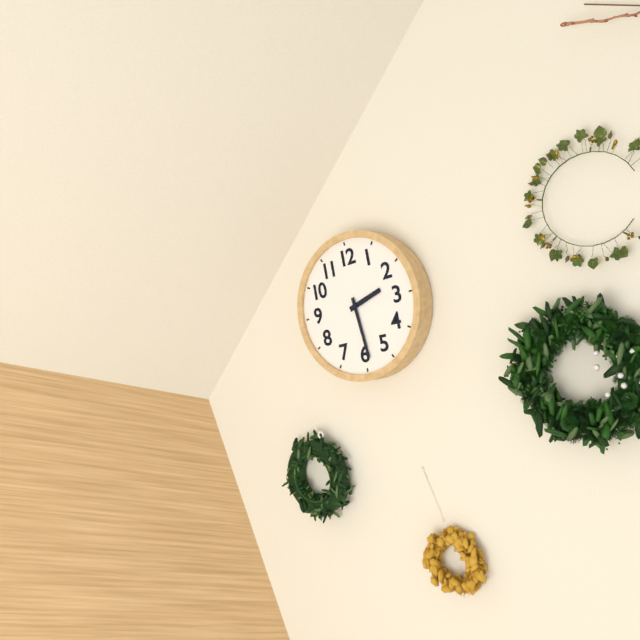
2:29
